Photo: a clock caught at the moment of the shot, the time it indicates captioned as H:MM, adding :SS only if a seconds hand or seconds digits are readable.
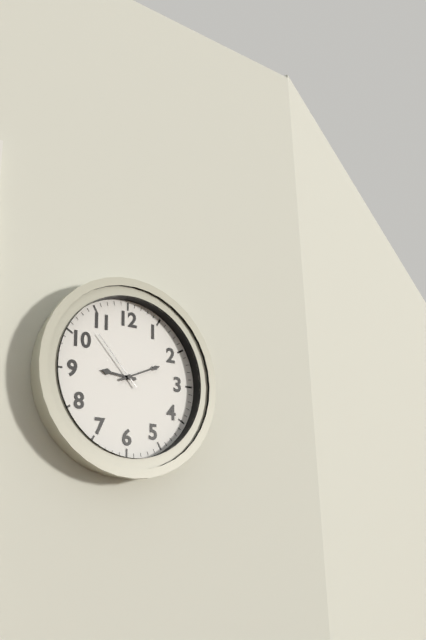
9:11:53
